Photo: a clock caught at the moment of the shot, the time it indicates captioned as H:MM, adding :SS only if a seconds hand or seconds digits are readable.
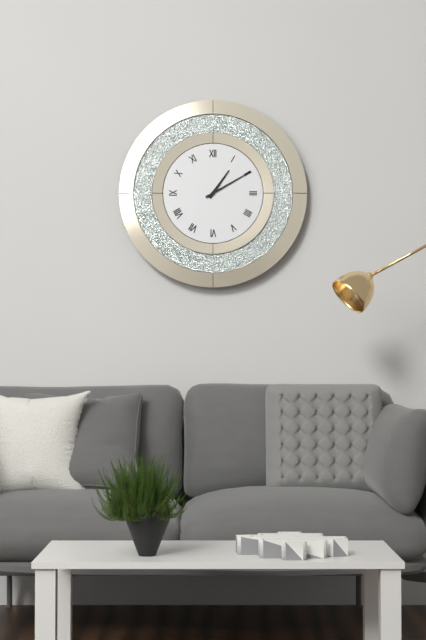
1:10
